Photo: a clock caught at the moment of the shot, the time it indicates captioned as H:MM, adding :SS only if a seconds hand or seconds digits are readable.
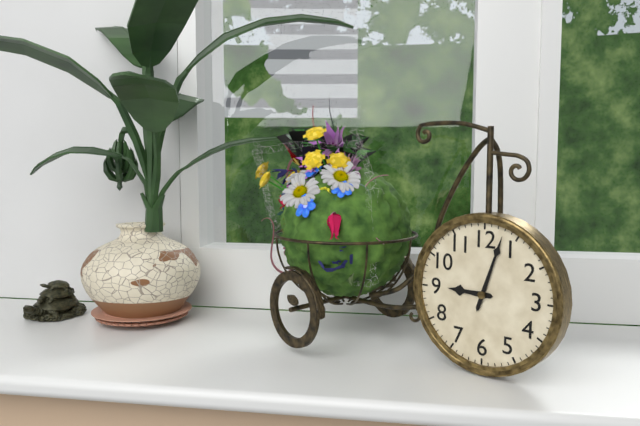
9:03
